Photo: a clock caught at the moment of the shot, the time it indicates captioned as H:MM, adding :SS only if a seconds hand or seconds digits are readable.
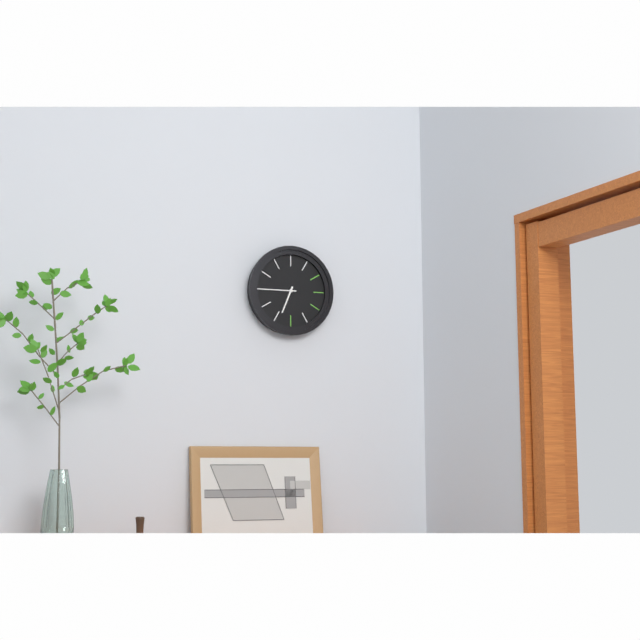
6:45
